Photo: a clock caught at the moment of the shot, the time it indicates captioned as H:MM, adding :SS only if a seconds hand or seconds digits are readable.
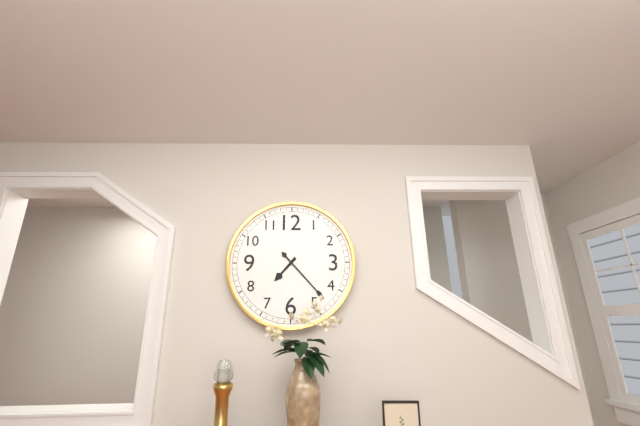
7:23
